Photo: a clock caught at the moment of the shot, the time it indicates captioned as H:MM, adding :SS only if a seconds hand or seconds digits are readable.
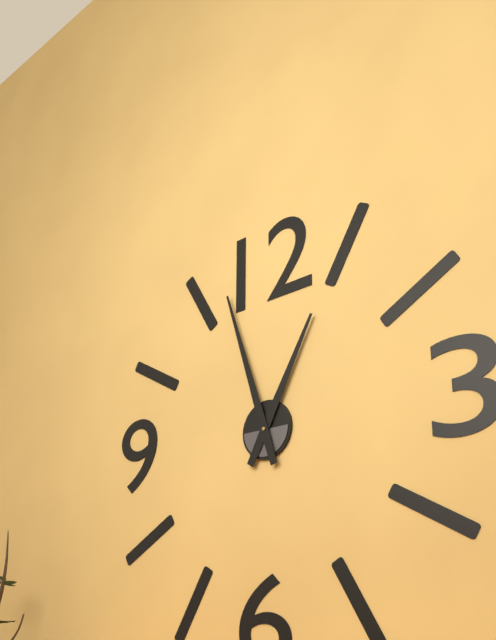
12:57
